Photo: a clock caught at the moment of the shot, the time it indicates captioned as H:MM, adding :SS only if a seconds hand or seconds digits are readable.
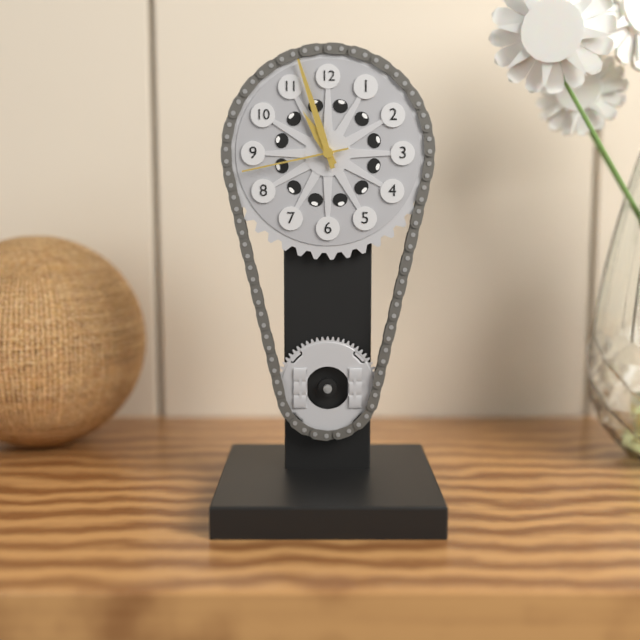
10:57:43
